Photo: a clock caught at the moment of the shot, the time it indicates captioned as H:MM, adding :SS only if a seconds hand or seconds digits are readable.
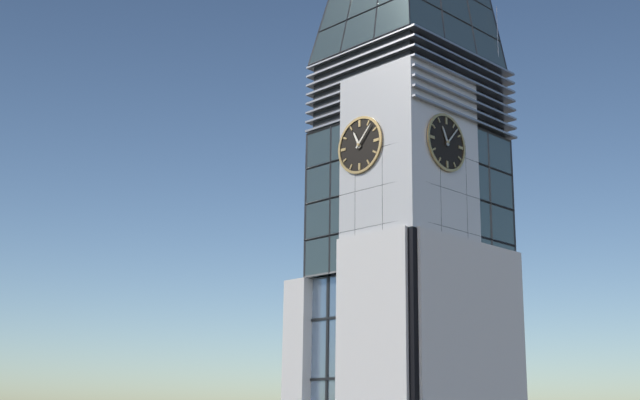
11:07
